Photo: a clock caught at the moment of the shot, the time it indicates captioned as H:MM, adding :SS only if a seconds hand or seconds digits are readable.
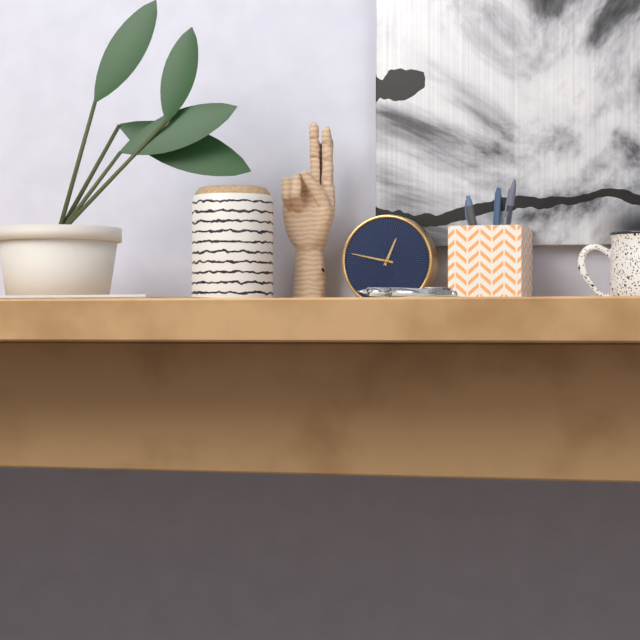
12:47
